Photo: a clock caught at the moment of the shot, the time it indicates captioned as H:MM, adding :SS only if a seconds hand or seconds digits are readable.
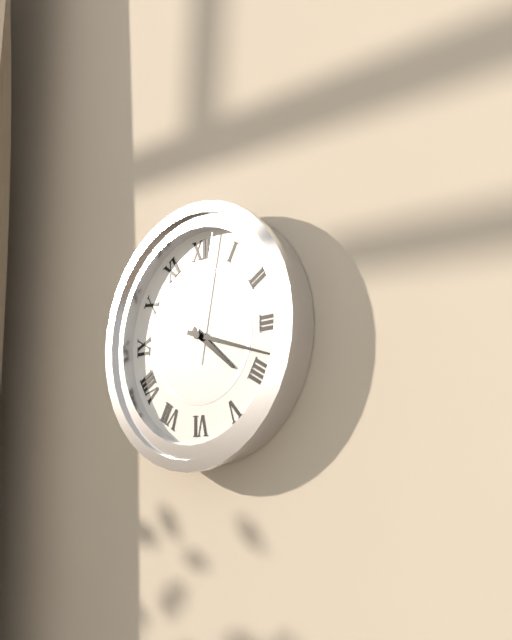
4:18:02
